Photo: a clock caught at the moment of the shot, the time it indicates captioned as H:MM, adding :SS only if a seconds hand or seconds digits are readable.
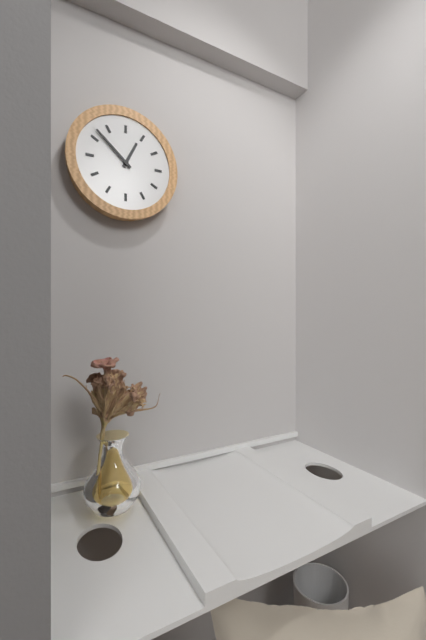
12:52
